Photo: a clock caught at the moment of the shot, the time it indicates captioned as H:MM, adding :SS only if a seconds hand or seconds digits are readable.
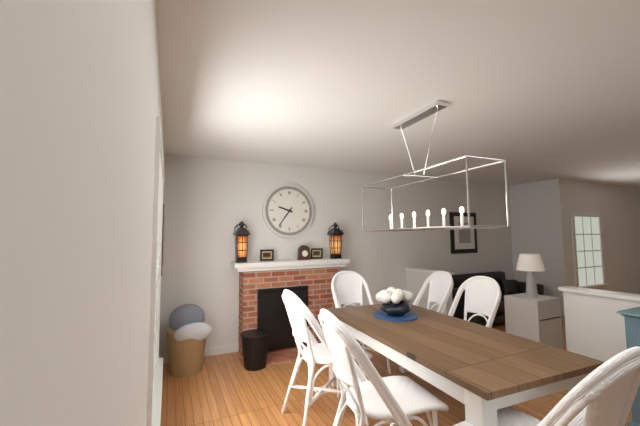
9:36
